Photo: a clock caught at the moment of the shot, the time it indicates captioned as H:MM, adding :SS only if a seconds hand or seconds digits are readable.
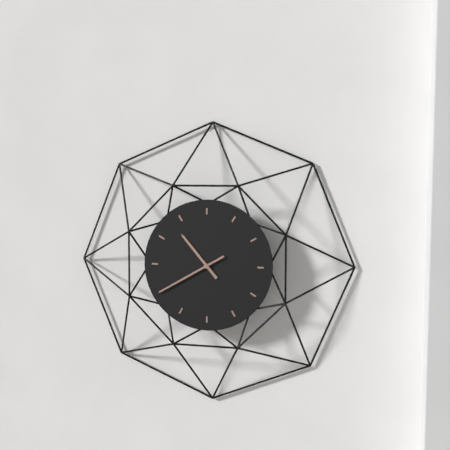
10:40
